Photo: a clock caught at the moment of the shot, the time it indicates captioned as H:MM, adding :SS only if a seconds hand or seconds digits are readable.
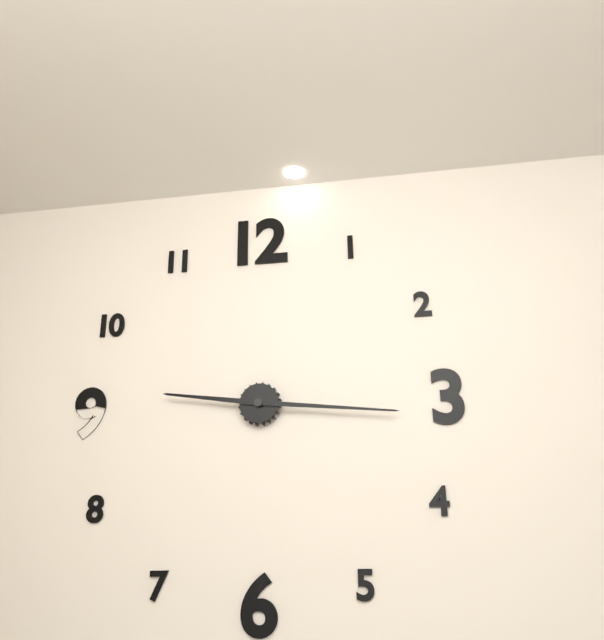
9:16
